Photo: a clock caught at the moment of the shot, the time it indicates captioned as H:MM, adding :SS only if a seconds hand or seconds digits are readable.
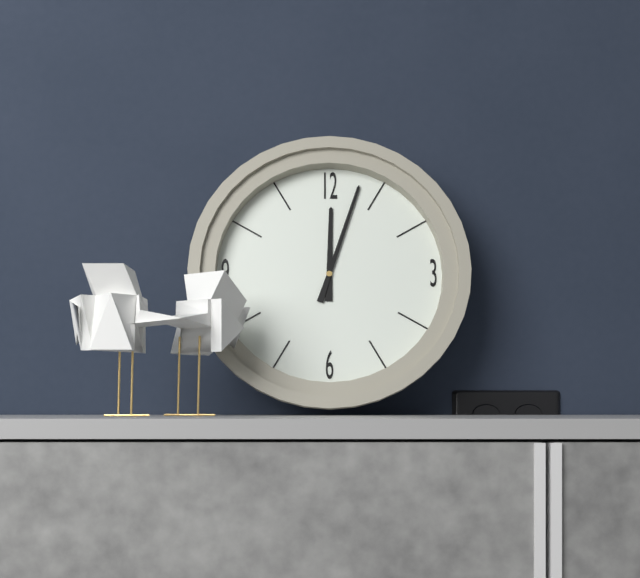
12:03
